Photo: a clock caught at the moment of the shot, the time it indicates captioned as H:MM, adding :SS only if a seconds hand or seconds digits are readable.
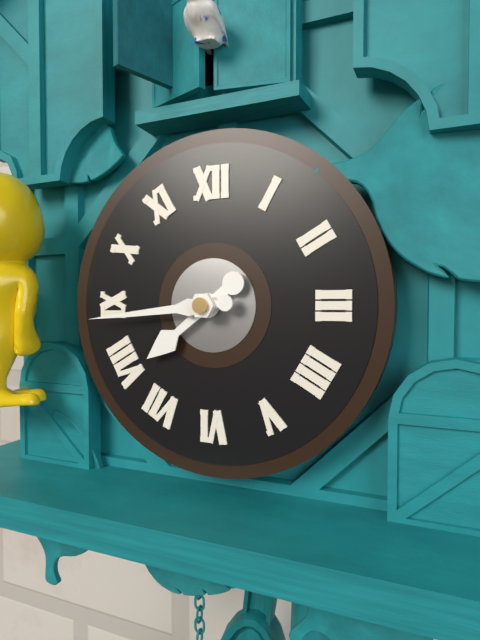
7:44
